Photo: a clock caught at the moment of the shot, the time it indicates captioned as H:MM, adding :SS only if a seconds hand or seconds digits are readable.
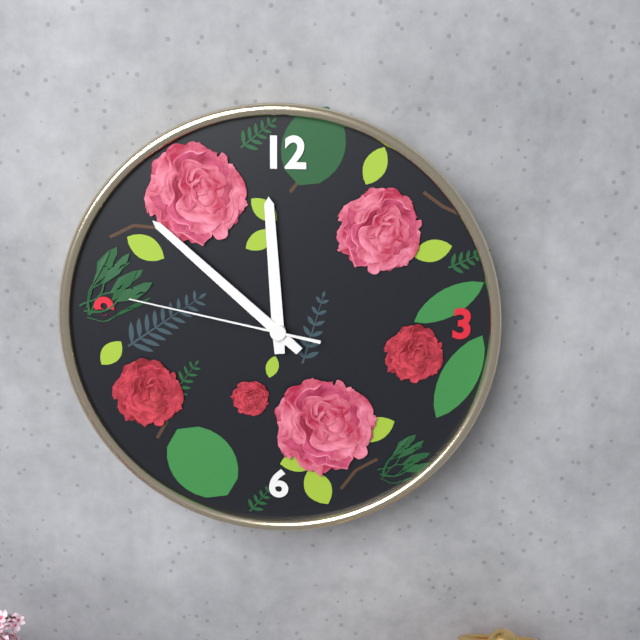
11:52:47
